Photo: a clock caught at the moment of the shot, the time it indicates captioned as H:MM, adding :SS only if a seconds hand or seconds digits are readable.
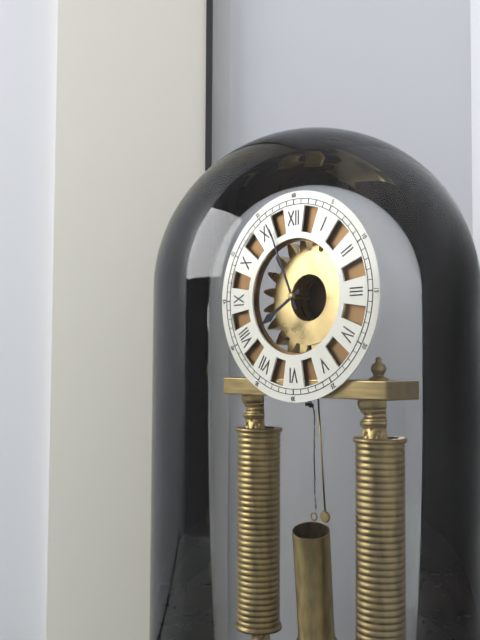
7:56
